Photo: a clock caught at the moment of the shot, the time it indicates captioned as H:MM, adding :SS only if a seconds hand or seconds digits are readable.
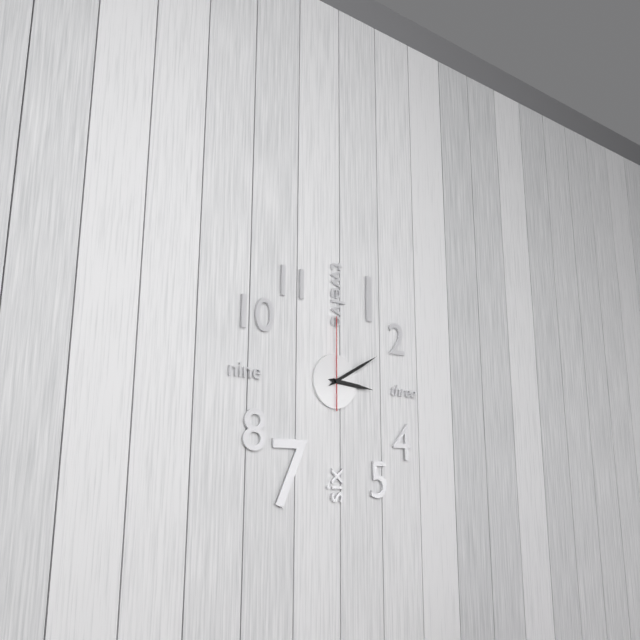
3:10:00
